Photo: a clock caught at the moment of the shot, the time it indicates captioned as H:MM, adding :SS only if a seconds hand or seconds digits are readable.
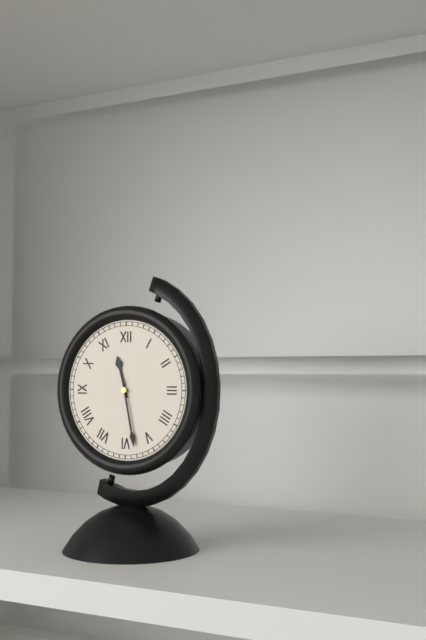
11:28
